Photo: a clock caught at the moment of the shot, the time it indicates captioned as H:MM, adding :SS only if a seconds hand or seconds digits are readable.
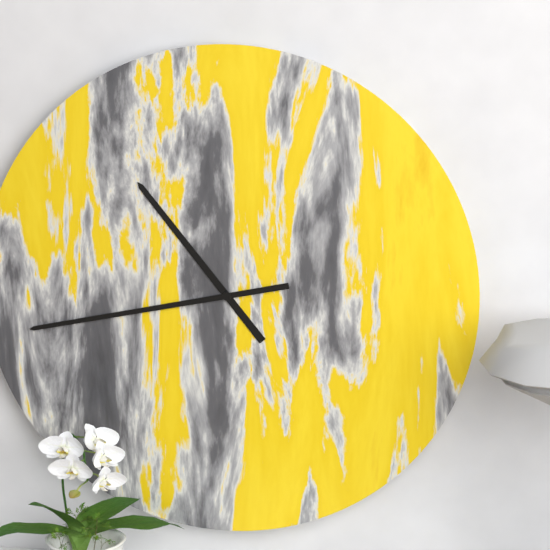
10:43
